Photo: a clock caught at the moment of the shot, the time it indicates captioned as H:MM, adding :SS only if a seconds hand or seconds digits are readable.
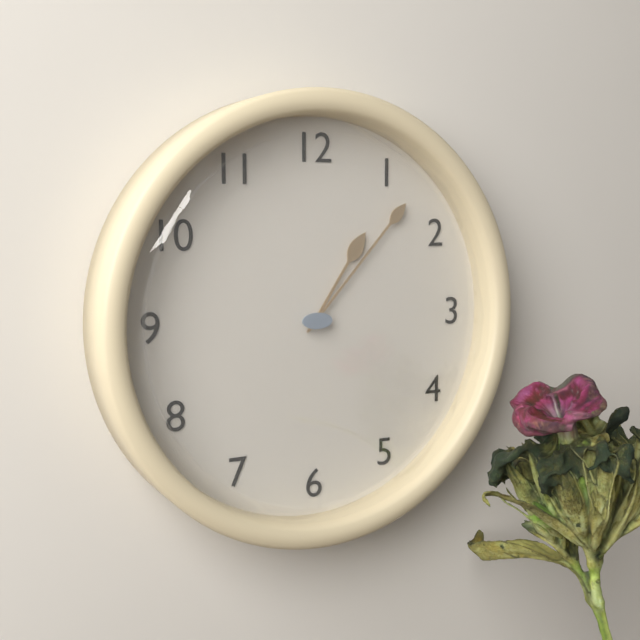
1:07
